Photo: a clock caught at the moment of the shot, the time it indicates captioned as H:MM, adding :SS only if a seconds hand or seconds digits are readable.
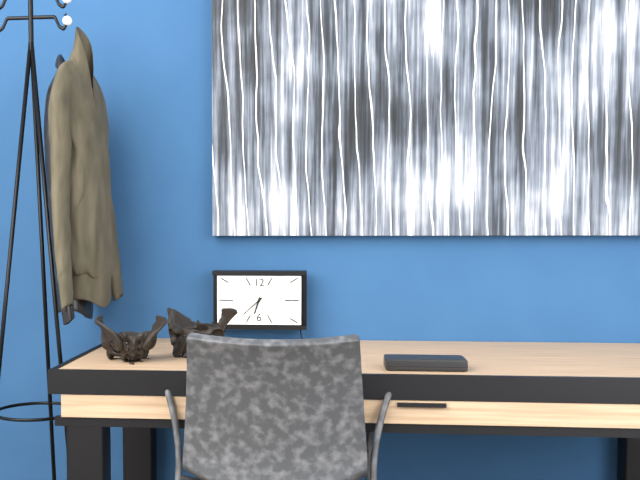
6:38
